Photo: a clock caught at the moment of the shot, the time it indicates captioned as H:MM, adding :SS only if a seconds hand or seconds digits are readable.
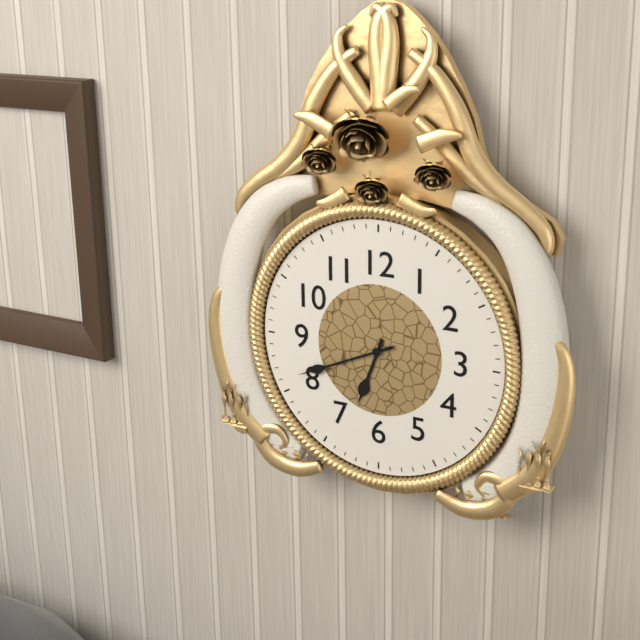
6:41
